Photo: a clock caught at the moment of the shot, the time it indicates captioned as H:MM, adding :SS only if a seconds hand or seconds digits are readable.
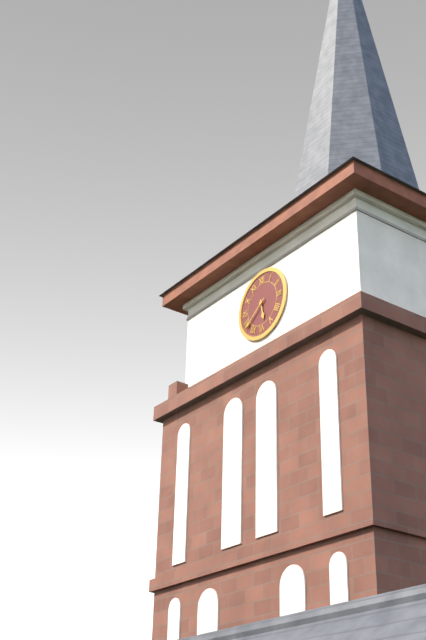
5:39
